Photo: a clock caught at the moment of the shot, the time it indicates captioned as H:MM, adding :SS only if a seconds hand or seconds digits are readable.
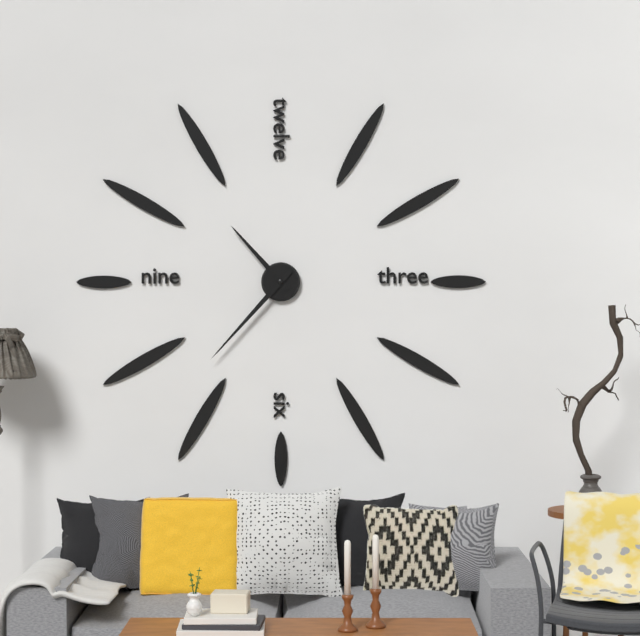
10:37
